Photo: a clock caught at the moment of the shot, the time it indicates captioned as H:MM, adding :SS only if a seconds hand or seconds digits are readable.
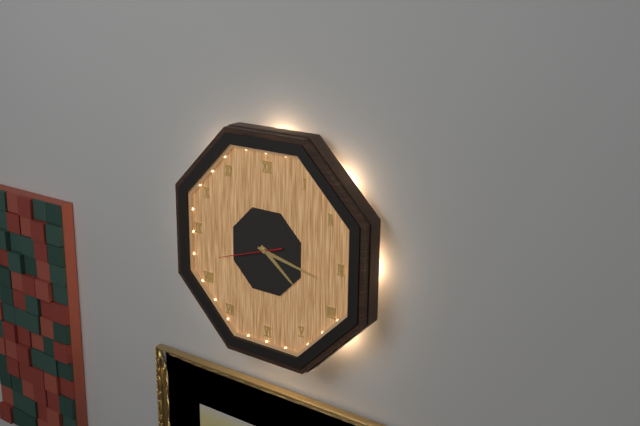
4:17:42
